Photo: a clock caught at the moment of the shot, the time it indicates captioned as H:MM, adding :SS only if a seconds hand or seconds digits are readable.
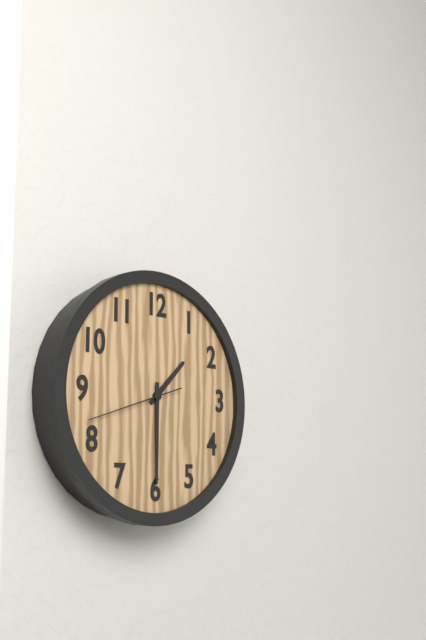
1:30:42
